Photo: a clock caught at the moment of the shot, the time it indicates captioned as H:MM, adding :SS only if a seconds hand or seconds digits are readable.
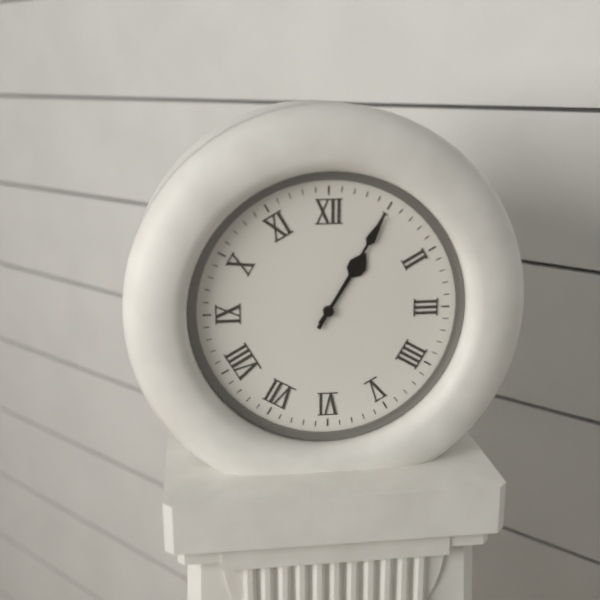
1:05
